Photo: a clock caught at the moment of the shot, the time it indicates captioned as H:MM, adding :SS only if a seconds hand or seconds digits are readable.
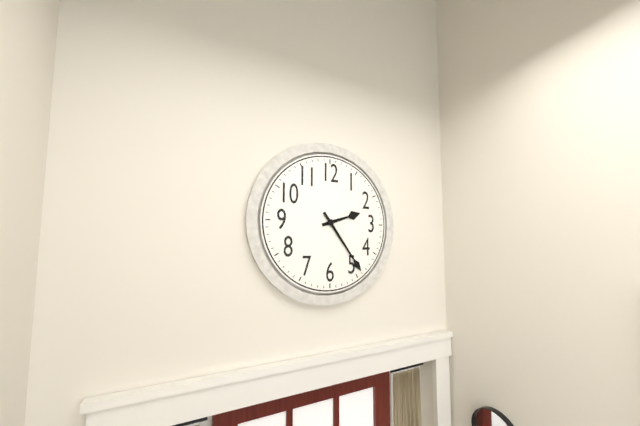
2:24
